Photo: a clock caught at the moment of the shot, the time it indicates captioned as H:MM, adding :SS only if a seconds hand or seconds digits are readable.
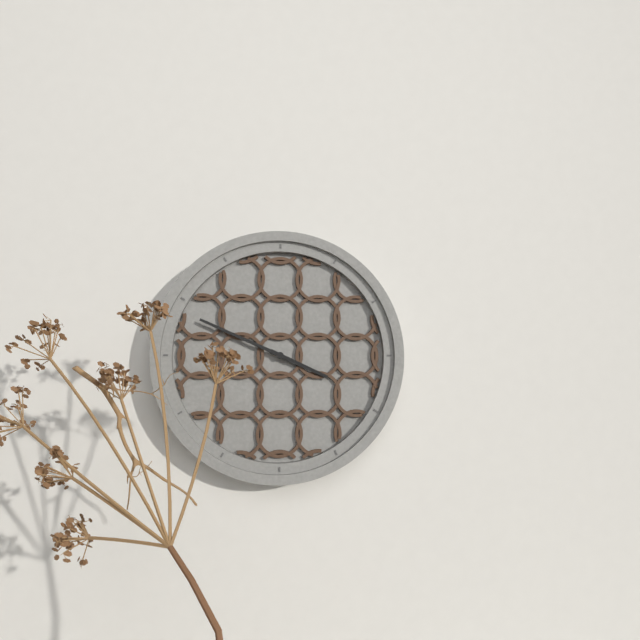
3:49
